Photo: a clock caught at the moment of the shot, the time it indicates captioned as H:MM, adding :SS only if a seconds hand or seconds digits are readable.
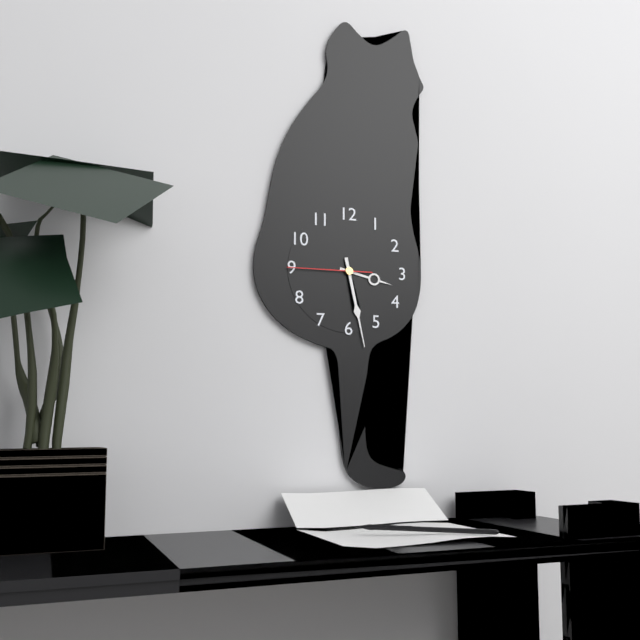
3:28:45
